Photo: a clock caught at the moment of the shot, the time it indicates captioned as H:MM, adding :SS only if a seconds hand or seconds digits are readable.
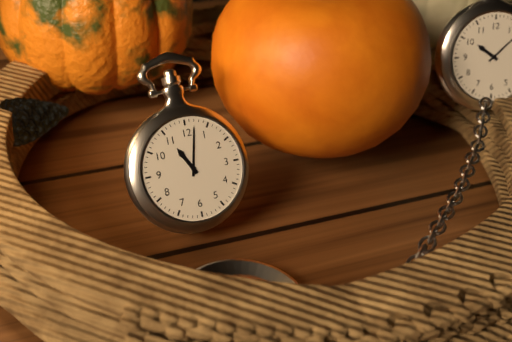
11:02
